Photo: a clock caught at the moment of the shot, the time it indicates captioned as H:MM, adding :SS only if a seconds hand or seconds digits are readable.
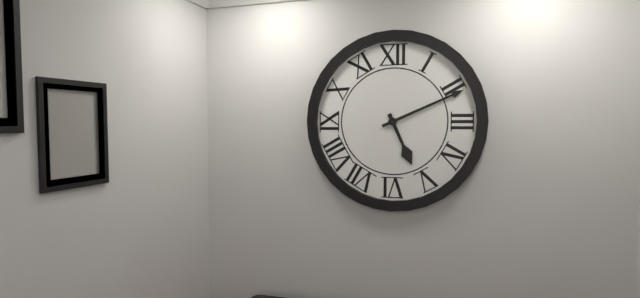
5:11
